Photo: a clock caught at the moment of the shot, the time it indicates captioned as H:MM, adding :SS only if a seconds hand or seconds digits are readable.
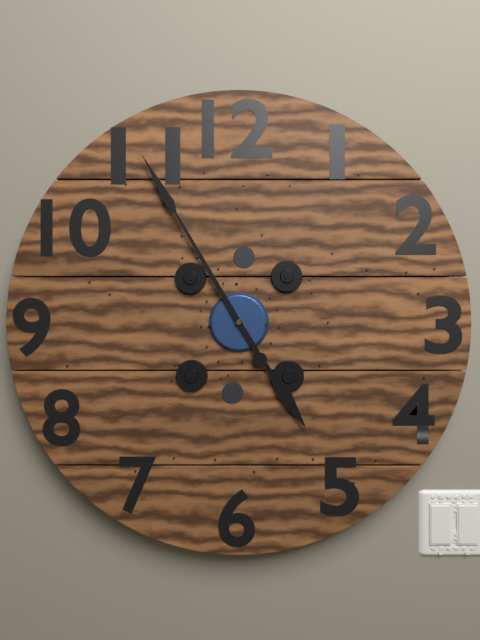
4:55
